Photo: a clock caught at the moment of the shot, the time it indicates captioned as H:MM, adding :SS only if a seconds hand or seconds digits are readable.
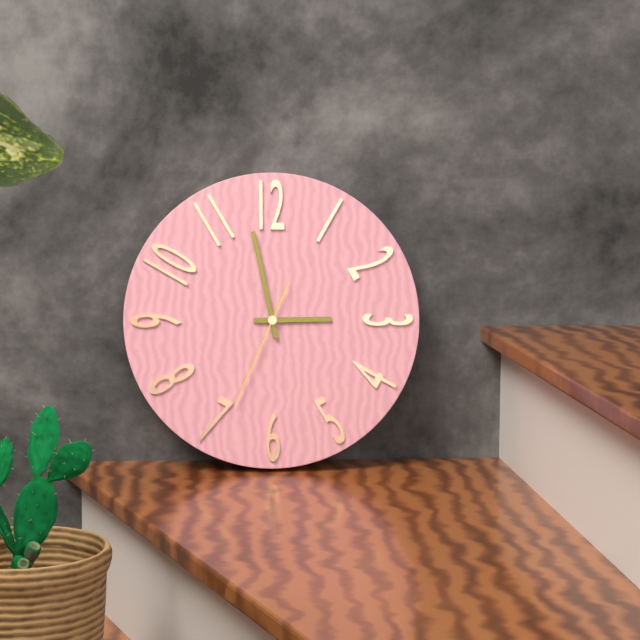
2:58:34
